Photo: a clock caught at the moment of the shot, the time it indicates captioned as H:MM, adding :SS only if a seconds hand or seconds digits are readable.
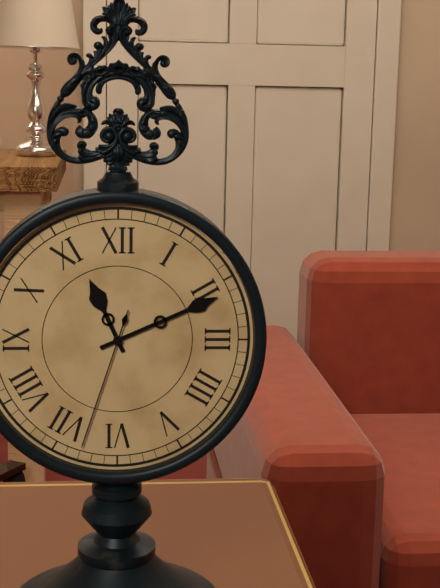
11:11:33
